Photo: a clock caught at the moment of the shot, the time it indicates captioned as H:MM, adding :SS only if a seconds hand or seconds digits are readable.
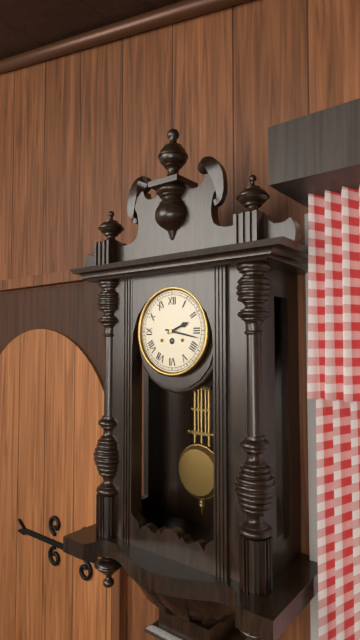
2:17
